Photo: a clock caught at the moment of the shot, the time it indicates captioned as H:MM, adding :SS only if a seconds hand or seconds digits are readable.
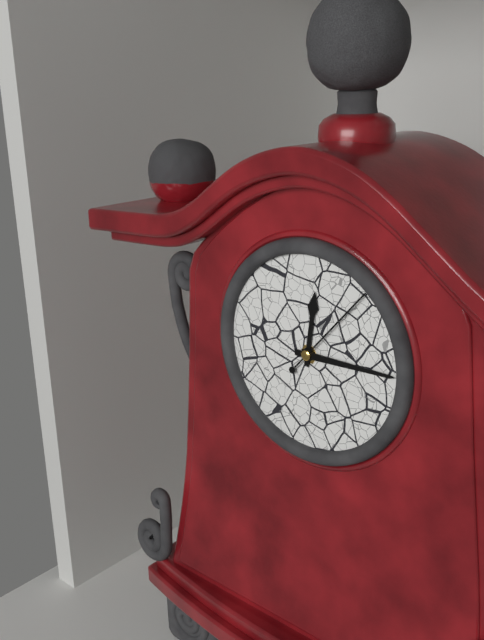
12:15:07
